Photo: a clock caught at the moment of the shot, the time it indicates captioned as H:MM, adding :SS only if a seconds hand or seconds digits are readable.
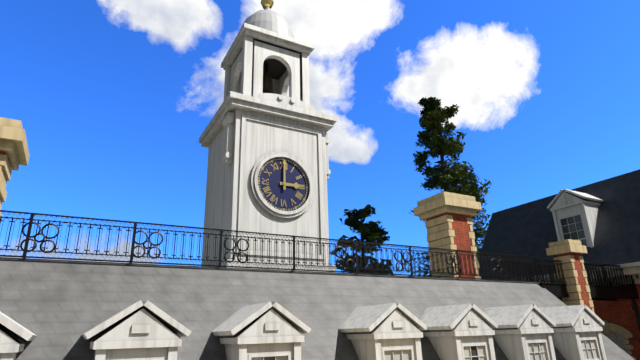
3:00
